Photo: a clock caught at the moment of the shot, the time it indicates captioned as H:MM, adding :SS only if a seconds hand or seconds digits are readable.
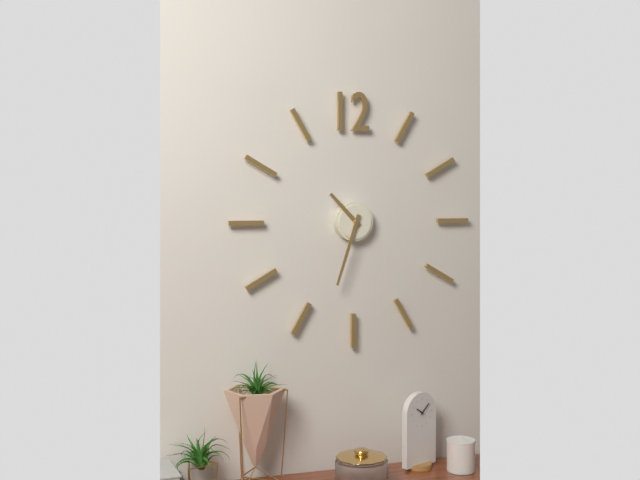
10:33
